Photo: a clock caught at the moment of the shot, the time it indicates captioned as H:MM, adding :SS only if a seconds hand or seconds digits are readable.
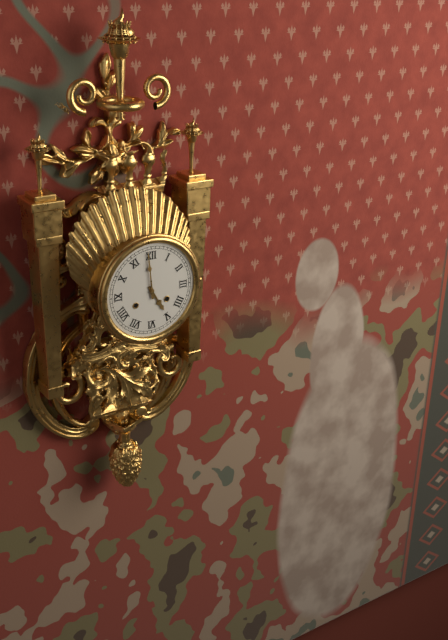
4:59
